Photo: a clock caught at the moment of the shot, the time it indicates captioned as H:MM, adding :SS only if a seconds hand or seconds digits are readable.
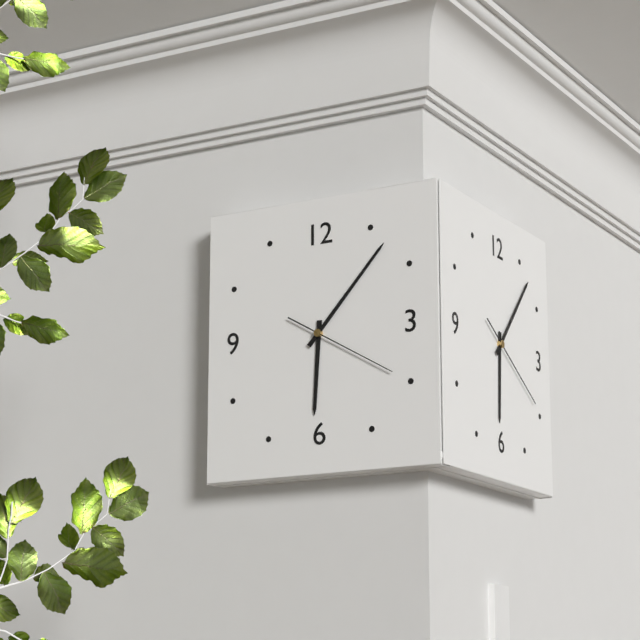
6:07:20
